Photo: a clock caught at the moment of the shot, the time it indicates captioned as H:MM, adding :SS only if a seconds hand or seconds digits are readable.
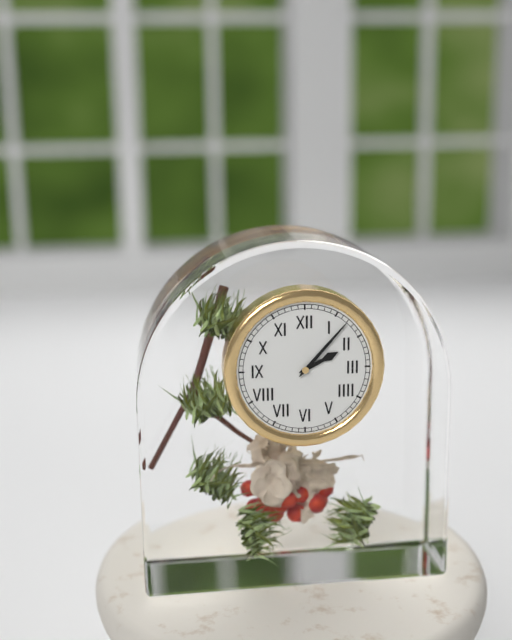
2:07
